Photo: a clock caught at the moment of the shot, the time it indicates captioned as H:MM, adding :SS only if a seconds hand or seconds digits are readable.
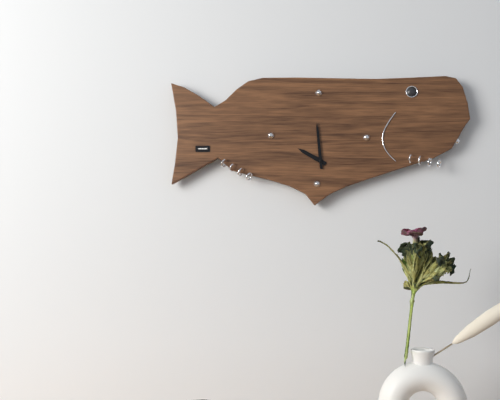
9:59
